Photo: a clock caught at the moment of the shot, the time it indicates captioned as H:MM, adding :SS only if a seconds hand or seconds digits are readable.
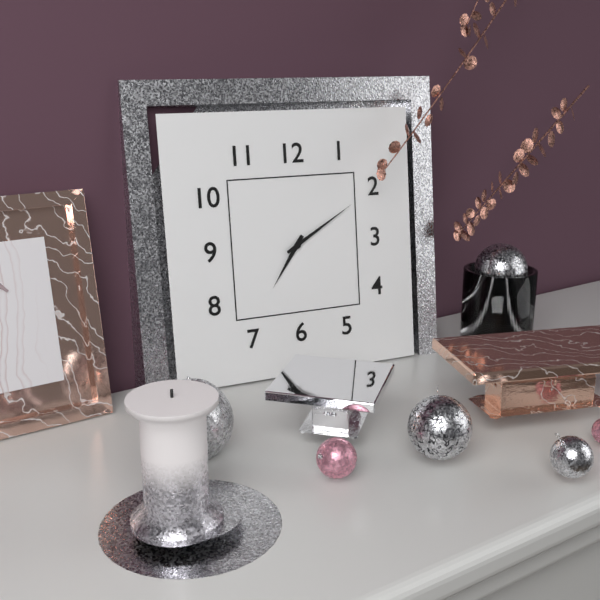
7:10
